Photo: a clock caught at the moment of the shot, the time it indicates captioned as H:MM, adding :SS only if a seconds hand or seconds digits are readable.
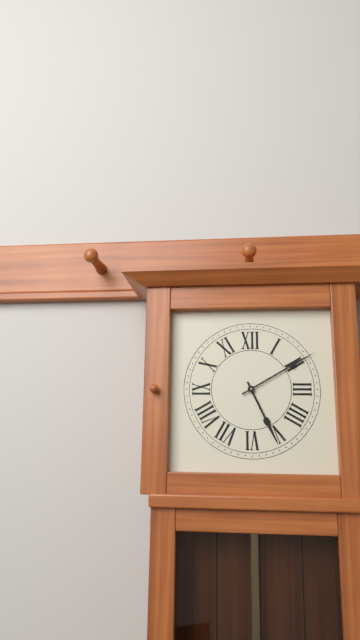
5:10
